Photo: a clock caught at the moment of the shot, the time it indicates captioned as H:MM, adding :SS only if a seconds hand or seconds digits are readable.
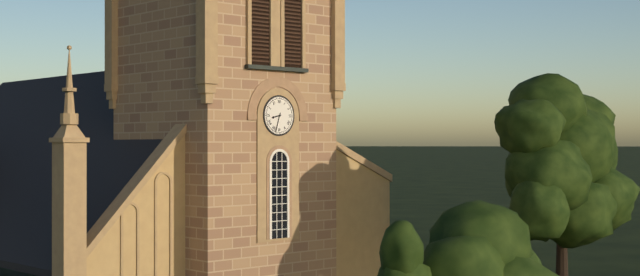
8:33
